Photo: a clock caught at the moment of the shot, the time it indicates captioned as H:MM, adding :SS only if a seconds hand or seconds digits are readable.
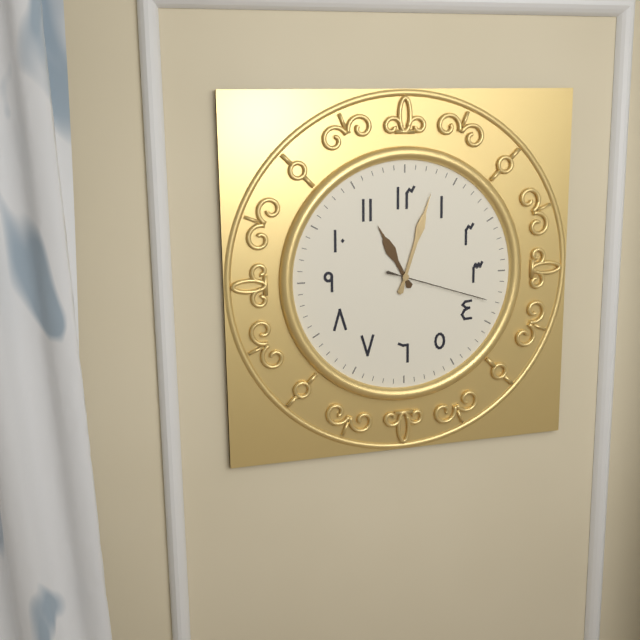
11:03:18
